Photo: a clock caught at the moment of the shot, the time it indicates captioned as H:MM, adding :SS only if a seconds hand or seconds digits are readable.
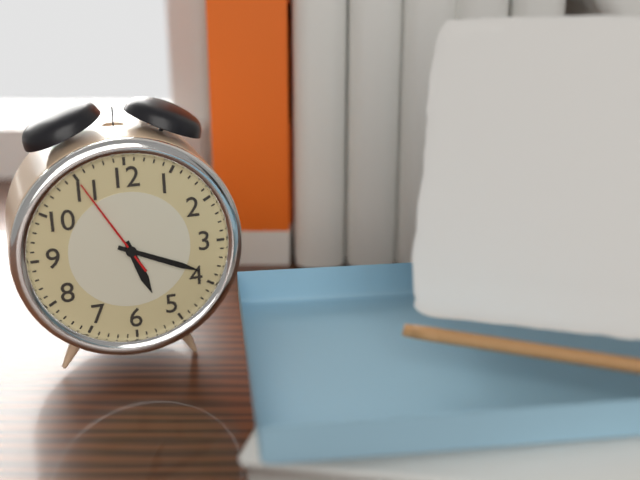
5:19:55
